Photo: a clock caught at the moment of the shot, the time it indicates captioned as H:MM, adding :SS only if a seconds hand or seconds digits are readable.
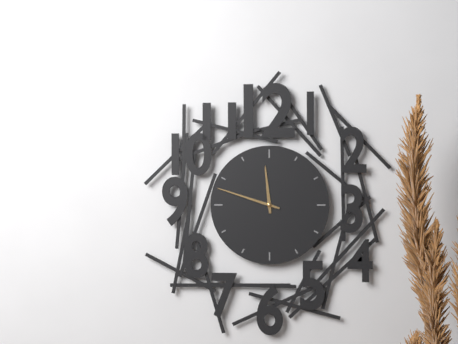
11:48
